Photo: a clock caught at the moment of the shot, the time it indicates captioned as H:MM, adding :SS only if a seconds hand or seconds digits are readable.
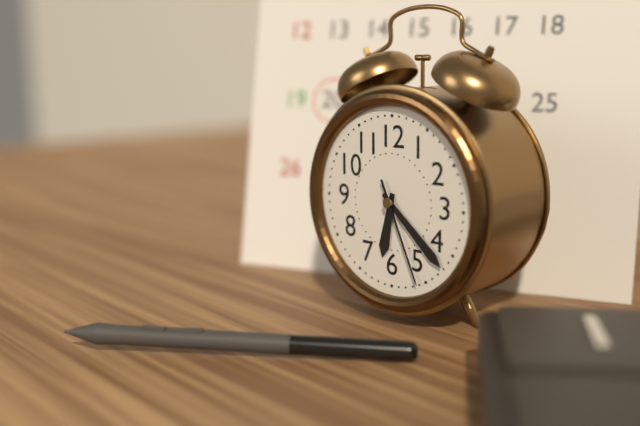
6:22:26
